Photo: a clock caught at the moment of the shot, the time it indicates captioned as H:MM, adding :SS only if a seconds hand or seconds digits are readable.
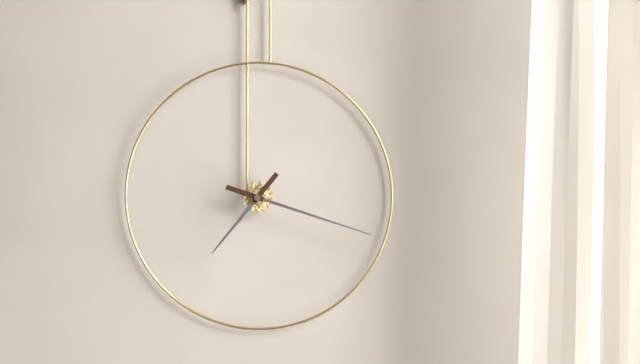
7:18
